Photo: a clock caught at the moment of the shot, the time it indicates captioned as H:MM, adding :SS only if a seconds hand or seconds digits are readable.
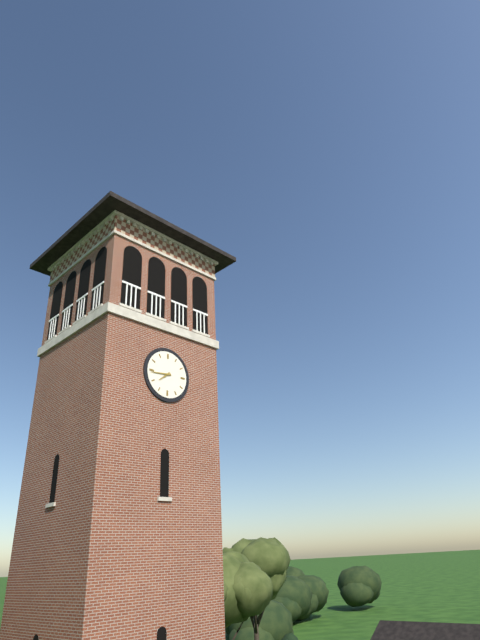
7:44
